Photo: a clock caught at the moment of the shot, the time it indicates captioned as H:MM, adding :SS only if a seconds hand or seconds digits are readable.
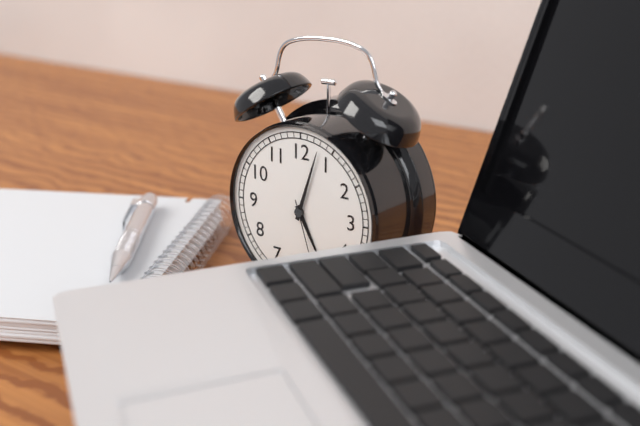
5:03:27
